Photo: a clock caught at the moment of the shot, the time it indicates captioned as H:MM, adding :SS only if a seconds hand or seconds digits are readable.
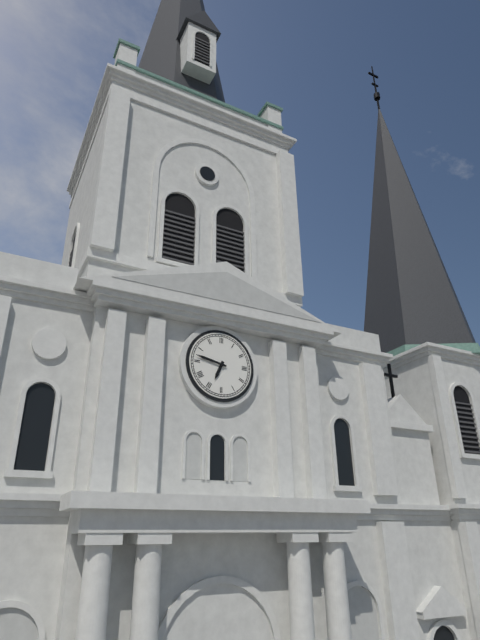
6:47
